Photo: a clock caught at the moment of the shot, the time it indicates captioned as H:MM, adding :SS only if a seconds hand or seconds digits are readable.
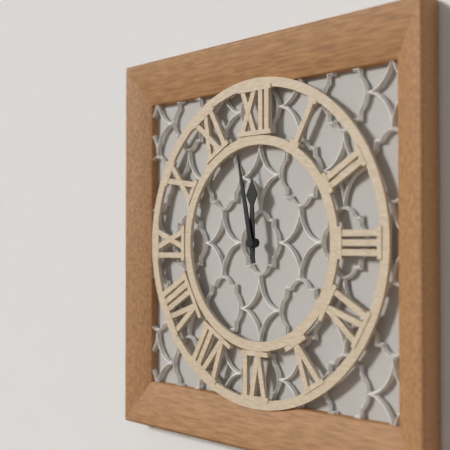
11:58
